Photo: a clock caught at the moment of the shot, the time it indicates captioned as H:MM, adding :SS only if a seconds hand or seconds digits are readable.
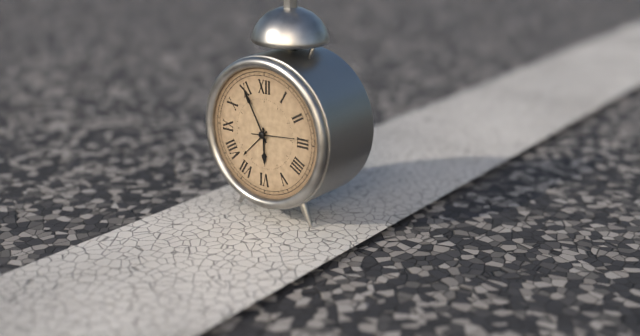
5:55
